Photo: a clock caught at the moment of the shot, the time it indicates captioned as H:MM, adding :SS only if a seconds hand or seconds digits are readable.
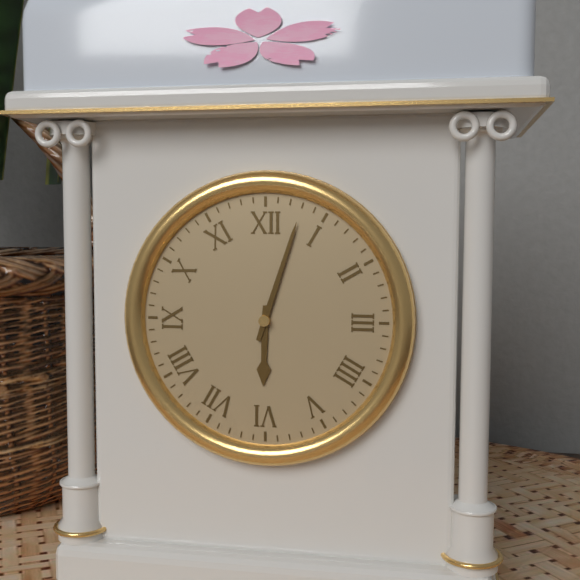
6:03
